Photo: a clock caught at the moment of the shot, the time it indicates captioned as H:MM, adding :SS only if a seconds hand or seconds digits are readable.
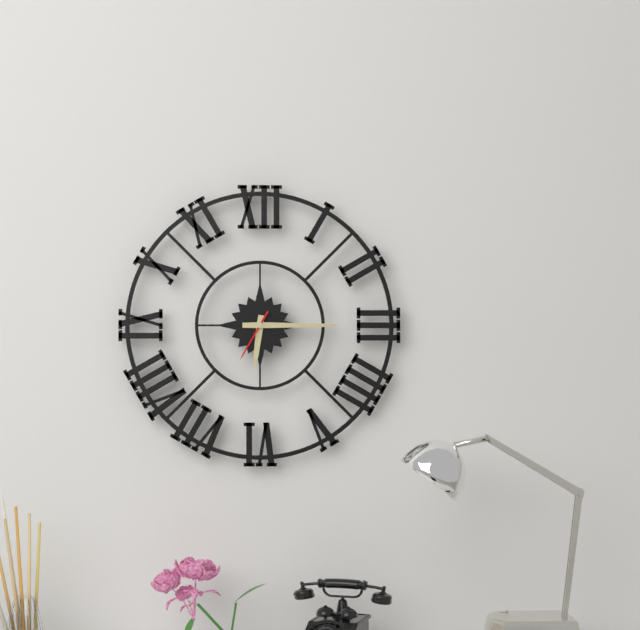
6:15:35
